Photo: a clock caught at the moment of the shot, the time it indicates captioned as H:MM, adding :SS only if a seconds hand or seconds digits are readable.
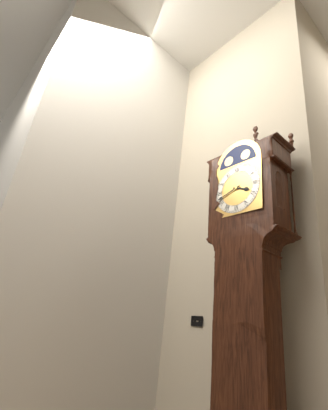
3:42
